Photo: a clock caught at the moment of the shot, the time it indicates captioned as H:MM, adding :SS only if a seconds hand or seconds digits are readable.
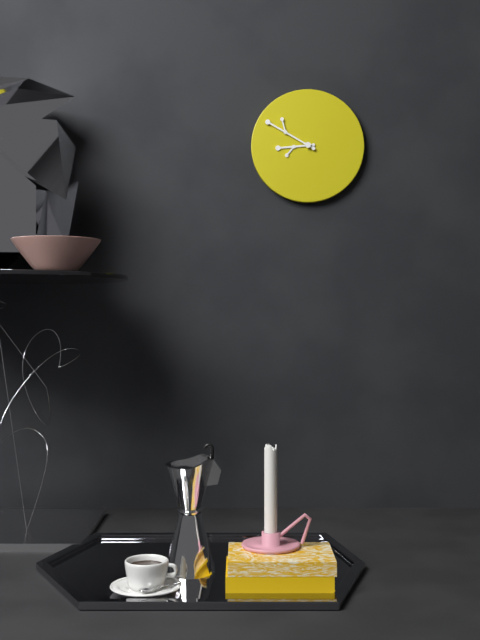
8:50
